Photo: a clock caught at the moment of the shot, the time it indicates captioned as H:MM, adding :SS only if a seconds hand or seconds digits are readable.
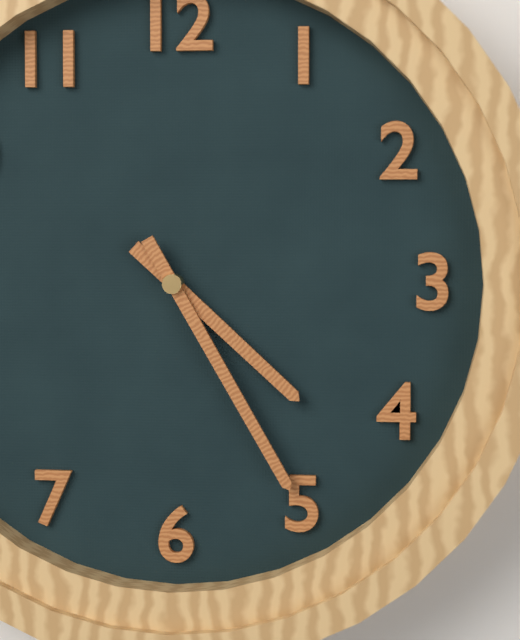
4:25
